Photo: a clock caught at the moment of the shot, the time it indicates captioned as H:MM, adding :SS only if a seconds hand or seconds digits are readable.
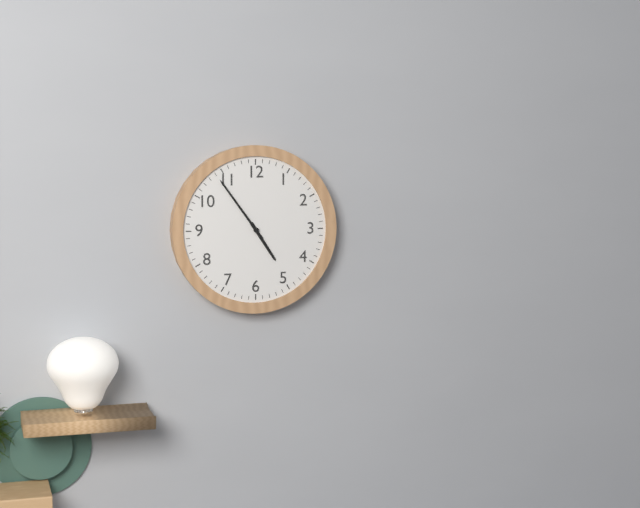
4:54
